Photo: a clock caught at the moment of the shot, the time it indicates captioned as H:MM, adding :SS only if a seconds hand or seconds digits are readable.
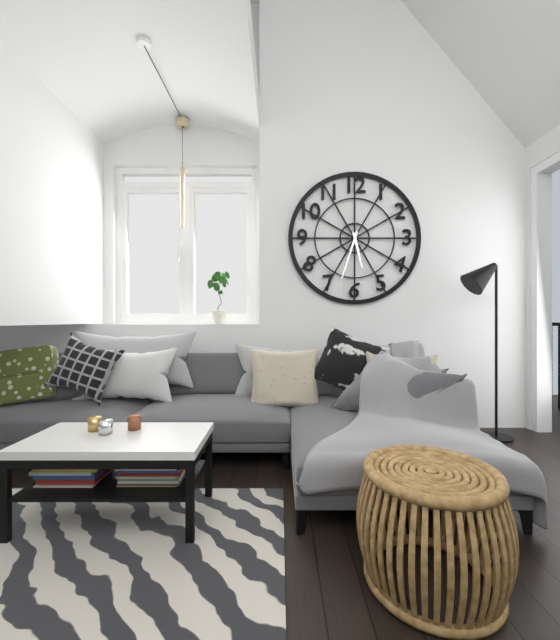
5:33
